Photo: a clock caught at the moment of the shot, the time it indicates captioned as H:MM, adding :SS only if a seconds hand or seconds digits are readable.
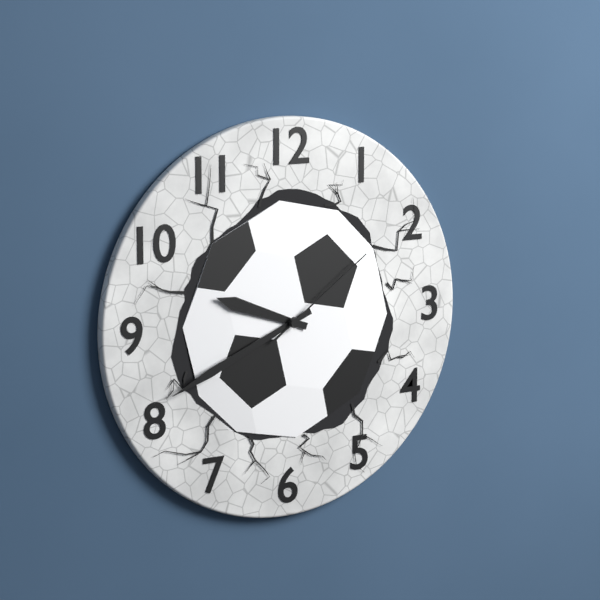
9:41:09
